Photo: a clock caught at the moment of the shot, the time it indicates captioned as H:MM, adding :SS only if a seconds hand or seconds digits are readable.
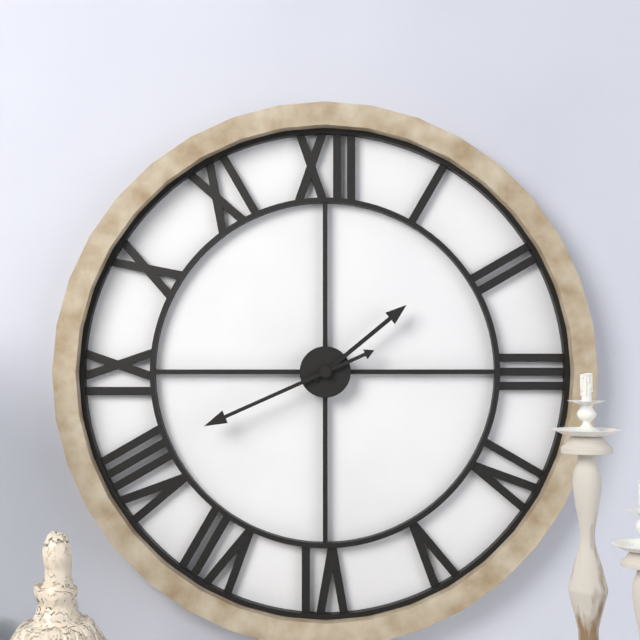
1:41
